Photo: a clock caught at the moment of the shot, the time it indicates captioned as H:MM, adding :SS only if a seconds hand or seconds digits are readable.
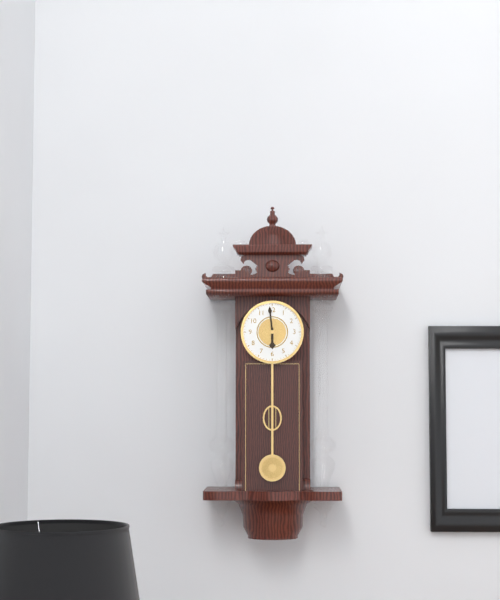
5:59
